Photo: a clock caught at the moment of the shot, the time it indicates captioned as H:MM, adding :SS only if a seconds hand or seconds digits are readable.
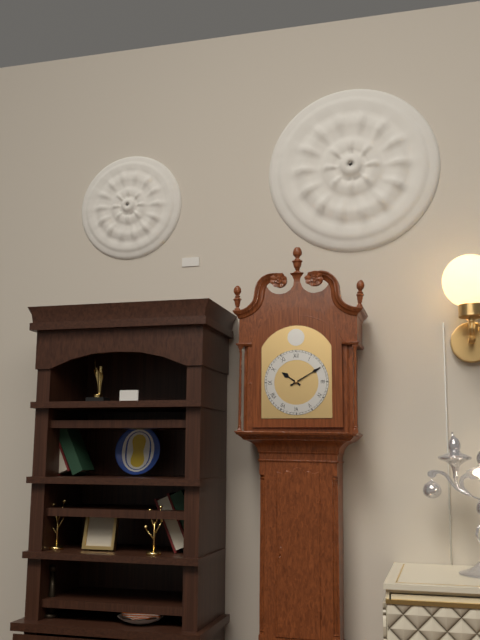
10:10
